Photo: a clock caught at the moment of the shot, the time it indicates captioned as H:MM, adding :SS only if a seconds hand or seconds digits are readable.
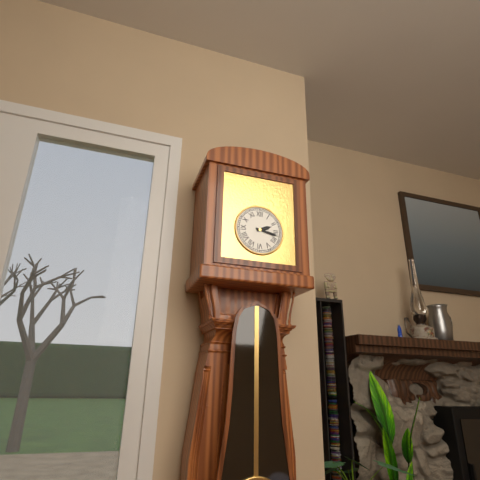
2:17
